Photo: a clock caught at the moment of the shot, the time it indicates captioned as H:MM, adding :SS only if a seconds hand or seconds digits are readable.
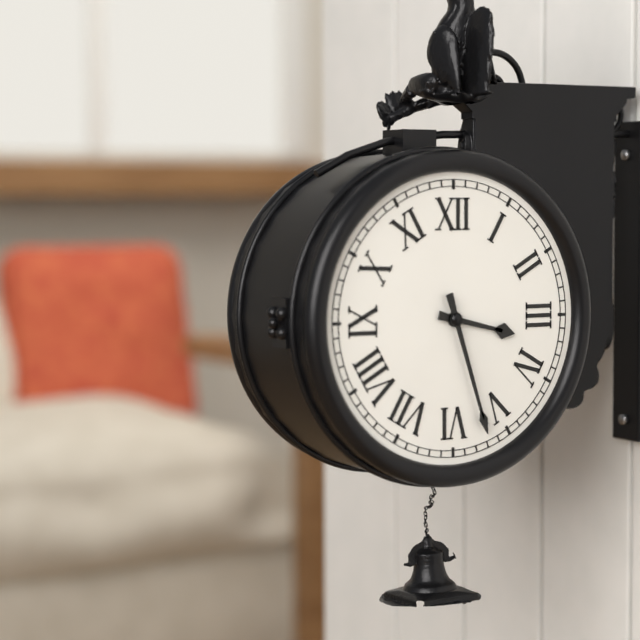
3:27
